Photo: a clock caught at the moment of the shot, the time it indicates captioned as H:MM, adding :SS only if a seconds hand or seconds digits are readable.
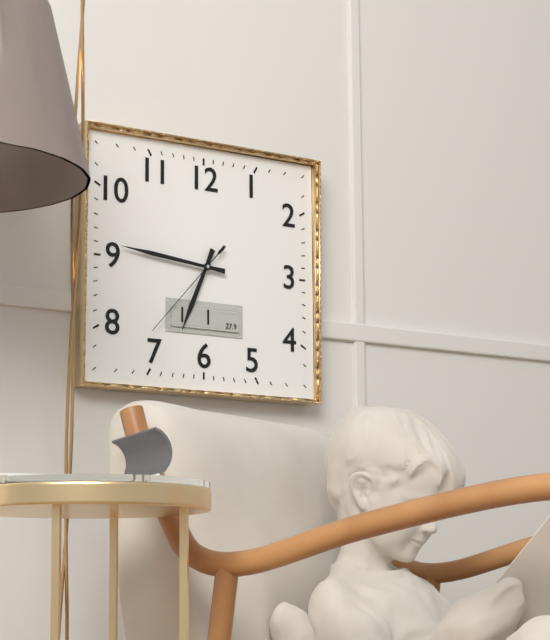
6:46:37
